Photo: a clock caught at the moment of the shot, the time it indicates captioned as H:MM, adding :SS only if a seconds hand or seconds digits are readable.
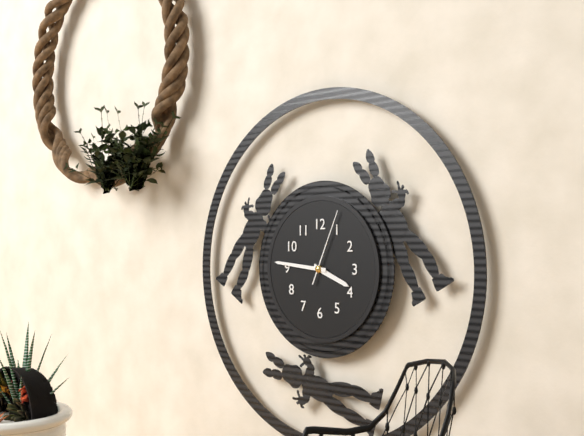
3:46:04
